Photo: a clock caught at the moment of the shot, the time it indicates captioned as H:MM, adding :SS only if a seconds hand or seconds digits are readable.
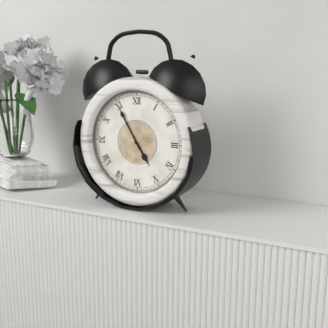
4:55
